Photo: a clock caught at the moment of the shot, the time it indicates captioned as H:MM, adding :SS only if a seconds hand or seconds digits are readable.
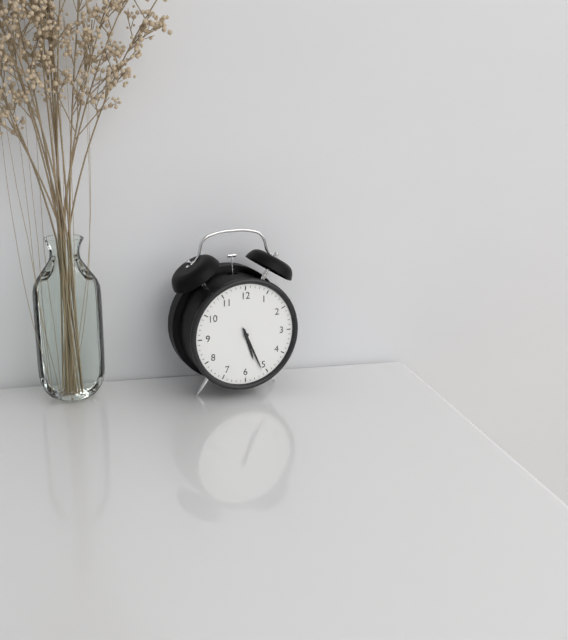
5:26
